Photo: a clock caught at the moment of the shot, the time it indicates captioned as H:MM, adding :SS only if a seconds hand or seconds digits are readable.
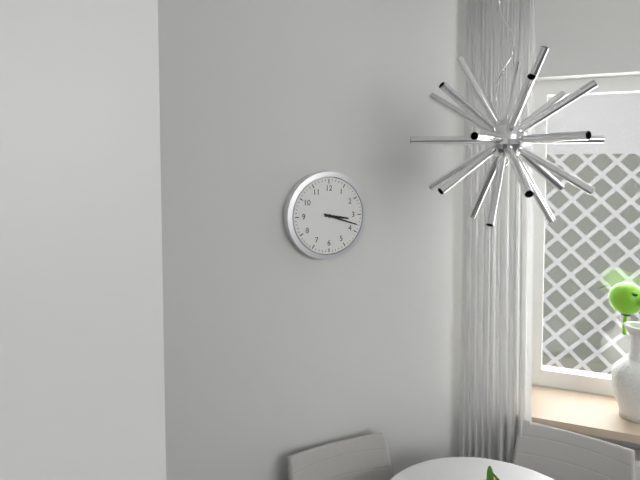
3:18
